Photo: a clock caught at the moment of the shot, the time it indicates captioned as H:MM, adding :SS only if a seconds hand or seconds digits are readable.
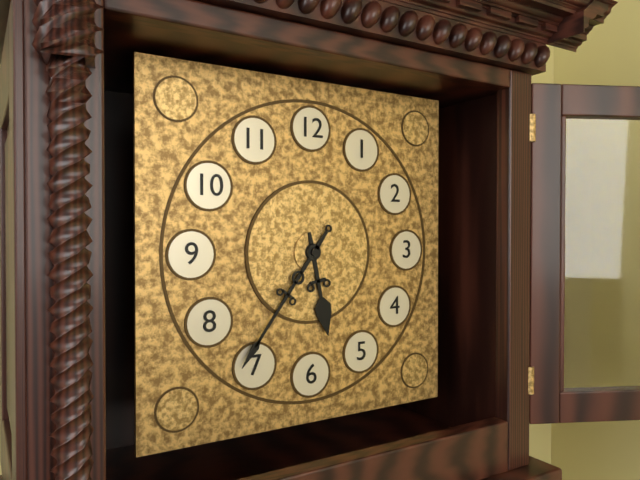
5:36
